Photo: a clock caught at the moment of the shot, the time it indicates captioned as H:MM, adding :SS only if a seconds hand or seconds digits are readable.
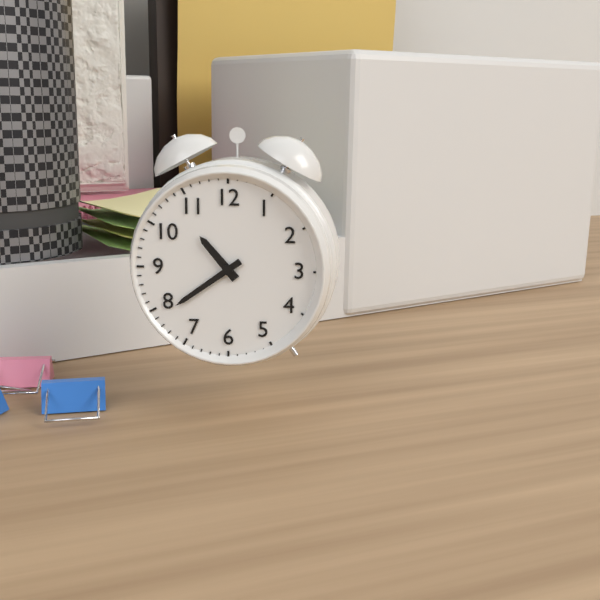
10:39
